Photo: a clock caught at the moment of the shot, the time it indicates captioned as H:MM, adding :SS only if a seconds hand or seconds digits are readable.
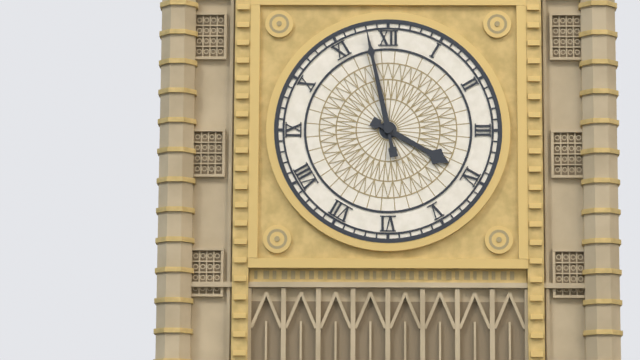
3:58
